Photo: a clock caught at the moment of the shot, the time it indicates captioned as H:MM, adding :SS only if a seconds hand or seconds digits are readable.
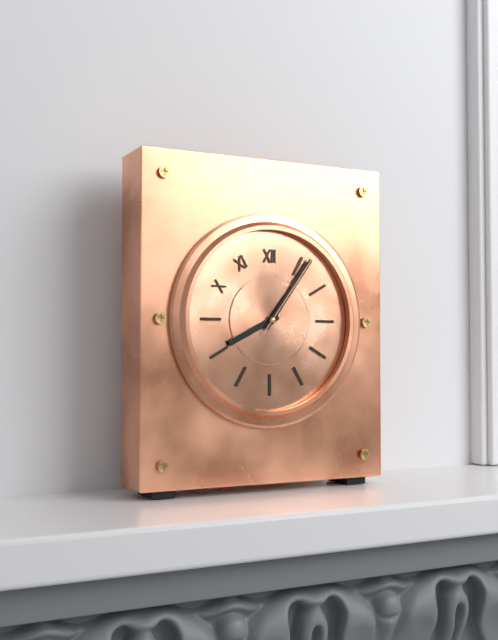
8:06:06
